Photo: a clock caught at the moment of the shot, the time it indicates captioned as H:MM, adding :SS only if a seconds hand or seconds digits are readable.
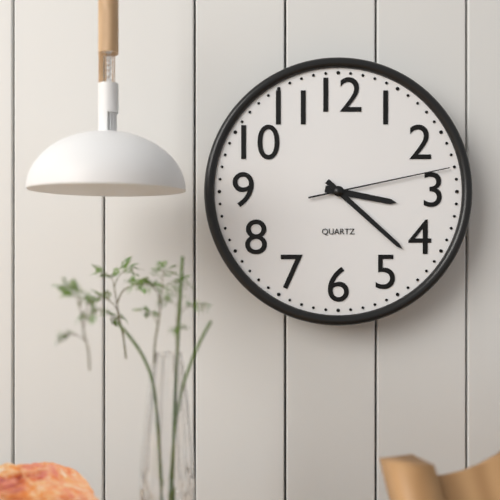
3:22:13
